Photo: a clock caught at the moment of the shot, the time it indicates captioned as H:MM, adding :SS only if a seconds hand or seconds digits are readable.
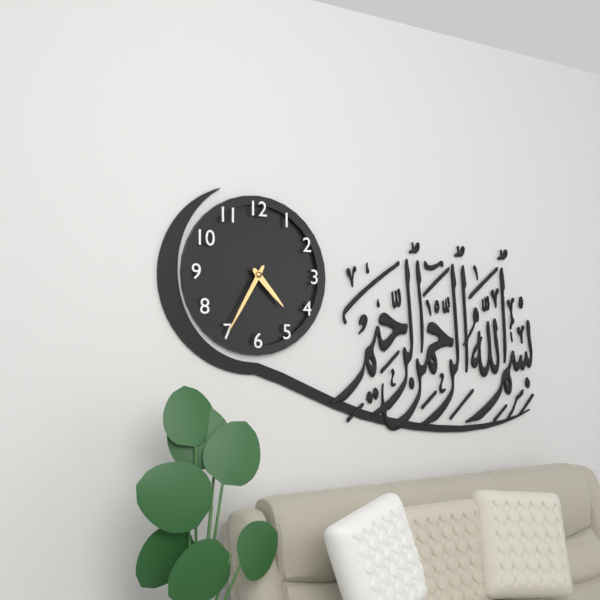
4:35
